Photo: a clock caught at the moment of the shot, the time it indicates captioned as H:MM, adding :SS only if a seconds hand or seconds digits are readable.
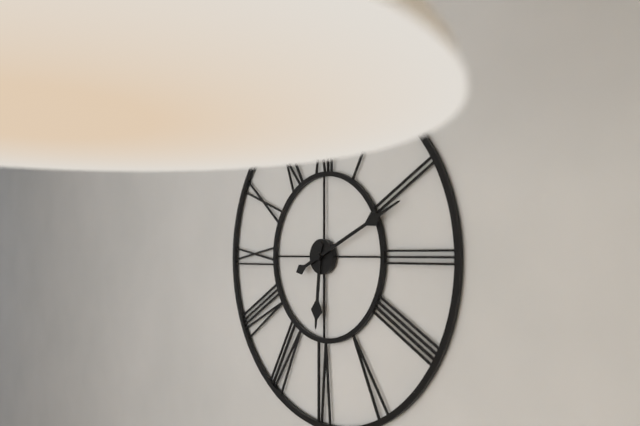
6:11
